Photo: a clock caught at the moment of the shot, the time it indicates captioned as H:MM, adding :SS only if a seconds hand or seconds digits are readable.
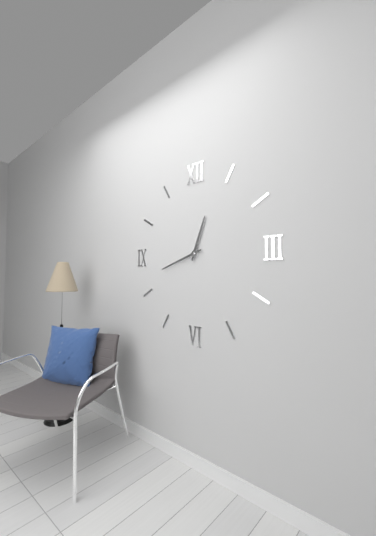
12:42
